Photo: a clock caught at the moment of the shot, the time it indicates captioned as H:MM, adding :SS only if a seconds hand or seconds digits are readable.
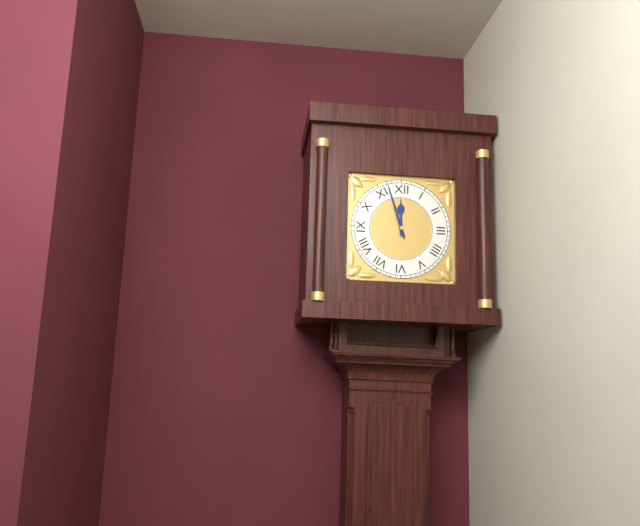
11:57
